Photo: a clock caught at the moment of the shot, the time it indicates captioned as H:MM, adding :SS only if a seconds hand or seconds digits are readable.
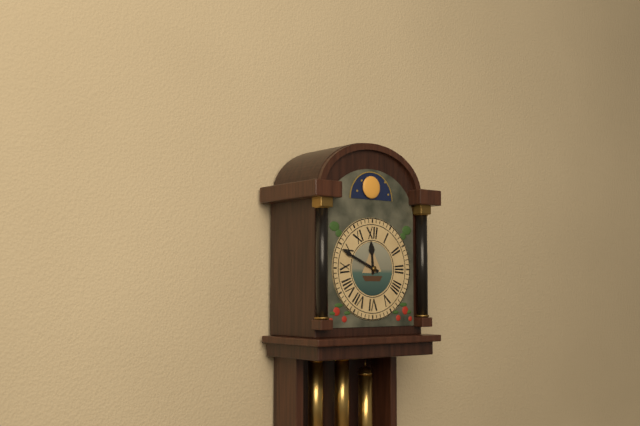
11:49
